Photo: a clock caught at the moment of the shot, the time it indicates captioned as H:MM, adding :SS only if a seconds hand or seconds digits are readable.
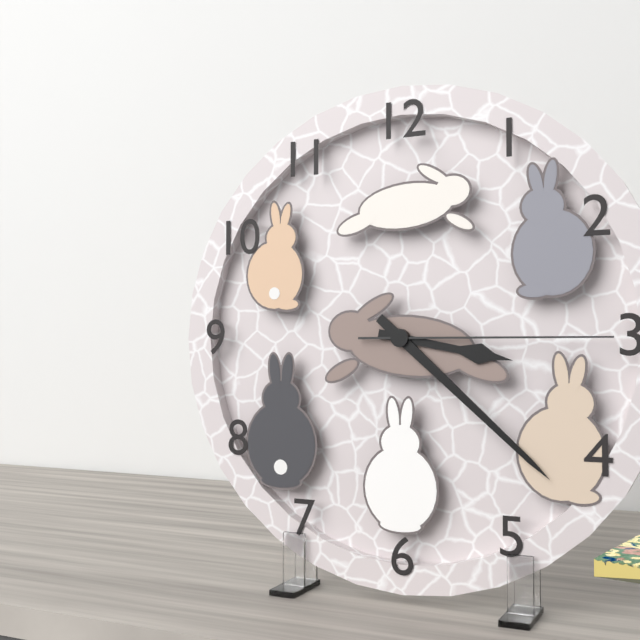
3:22:15
